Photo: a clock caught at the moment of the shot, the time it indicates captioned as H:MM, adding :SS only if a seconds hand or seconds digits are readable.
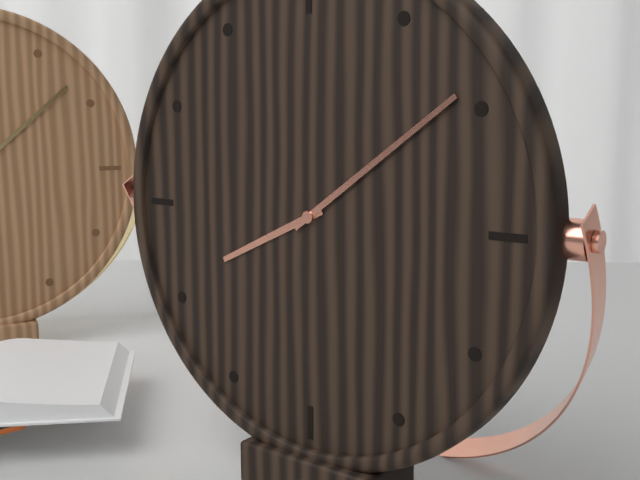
8:09
